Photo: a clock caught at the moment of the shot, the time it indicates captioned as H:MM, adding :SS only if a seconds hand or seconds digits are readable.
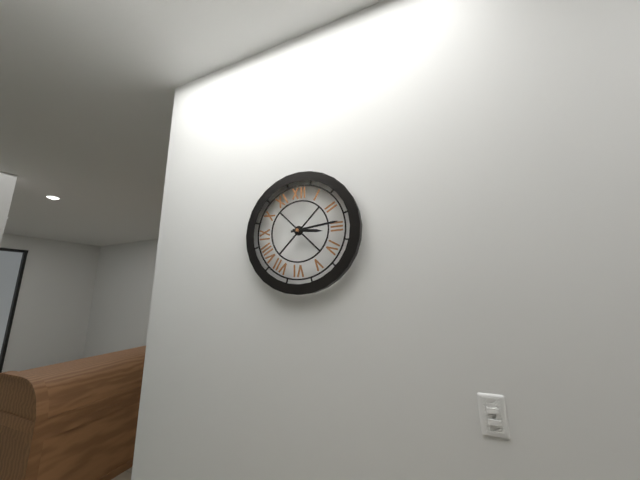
3:14
